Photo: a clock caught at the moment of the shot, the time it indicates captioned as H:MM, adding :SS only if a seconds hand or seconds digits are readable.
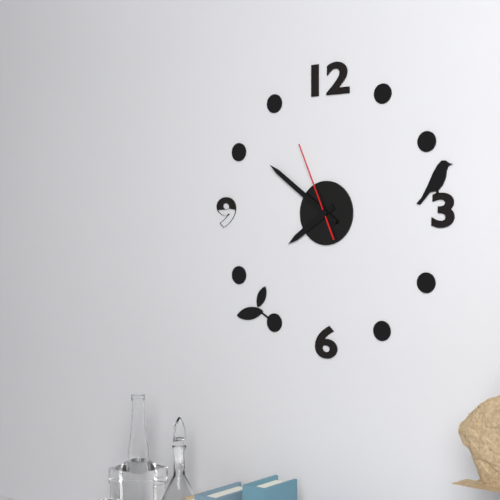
7:51:56
